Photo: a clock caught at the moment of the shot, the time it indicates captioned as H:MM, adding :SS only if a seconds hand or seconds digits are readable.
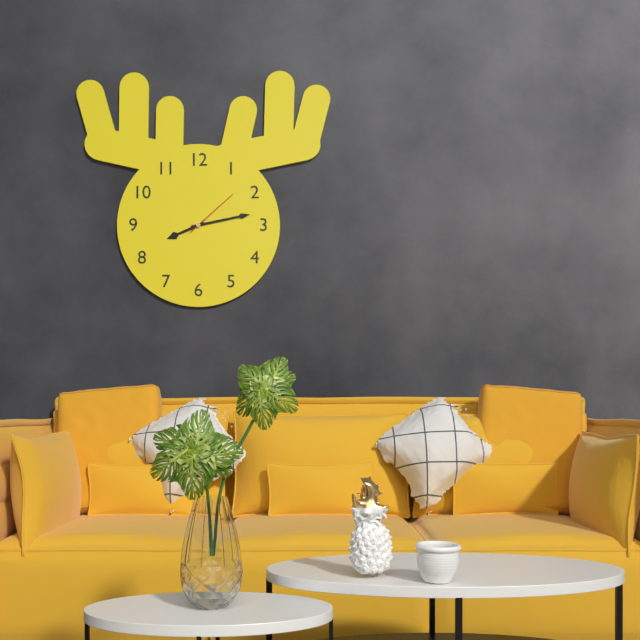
8:13:08
